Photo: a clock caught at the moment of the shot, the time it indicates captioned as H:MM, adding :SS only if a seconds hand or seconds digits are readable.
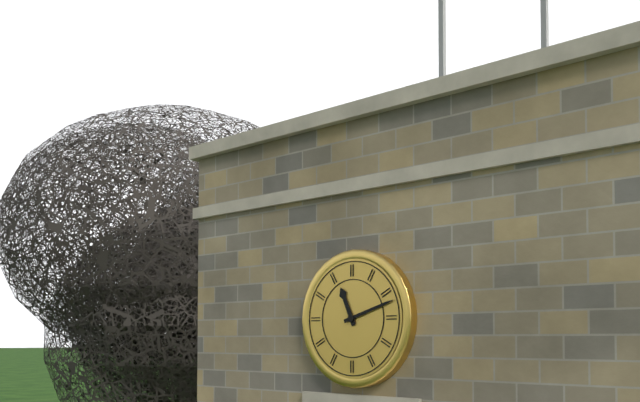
11:12
